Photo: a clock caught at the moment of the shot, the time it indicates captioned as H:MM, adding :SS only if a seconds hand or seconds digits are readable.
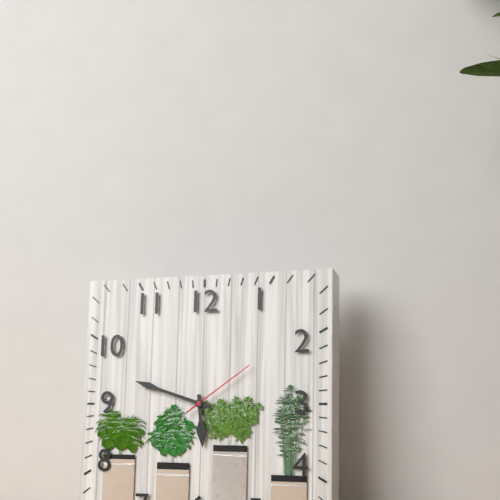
5:48:09
